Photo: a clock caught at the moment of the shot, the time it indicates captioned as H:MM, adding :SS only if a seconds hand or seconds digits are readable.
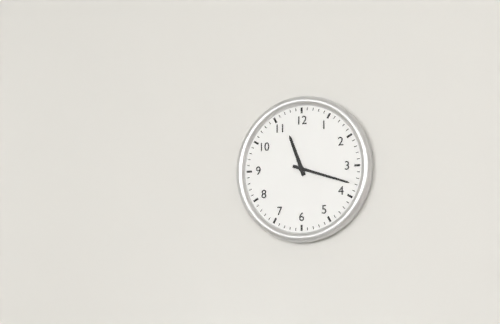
11:18
